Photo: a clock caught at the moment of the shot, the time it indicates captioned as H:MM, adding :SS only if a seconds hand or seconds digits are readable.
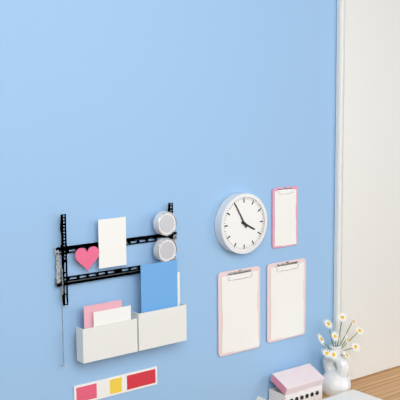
3:55
